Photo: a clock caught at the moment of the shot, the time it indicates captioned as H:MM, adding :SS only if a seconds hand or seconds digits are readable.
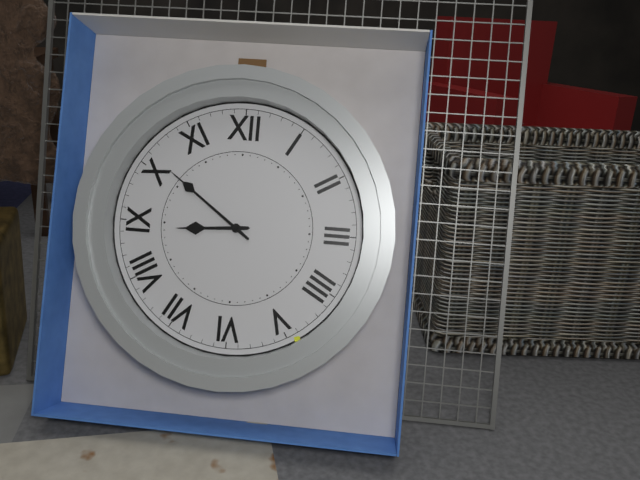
8:51
